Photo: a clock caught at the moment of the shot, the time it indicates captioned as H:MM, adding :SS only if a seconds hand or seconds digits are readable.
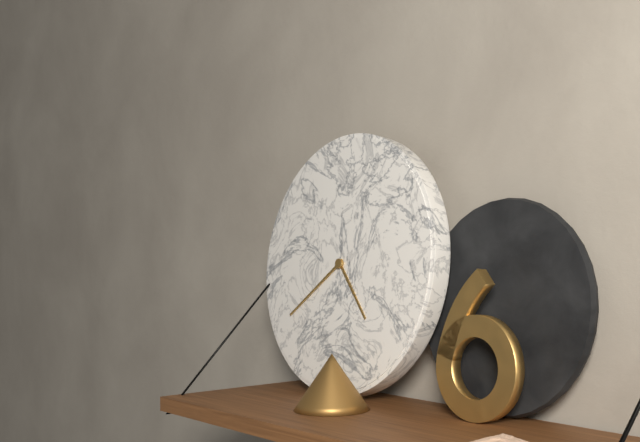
4:39
